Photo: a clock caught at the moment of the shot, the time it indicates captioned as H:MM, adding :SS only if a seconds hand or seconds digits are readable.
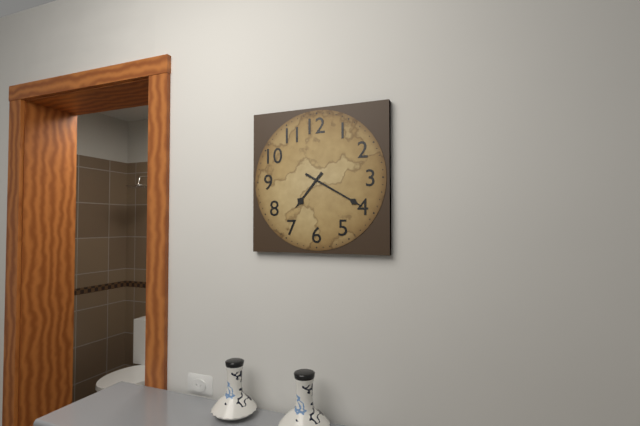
7:20
